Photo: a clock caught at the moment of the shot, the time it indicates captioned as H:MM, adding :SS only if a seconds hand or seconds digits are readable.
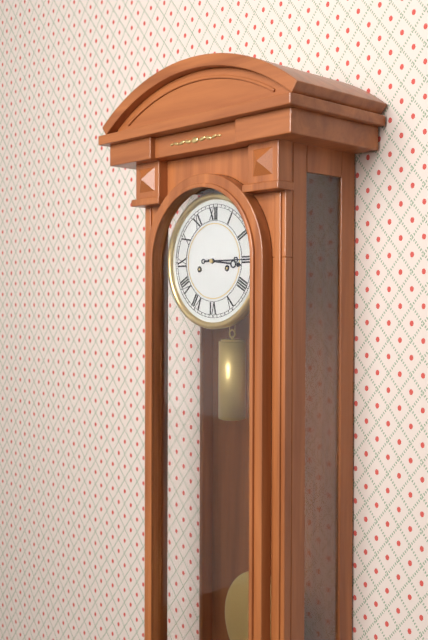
3:15
